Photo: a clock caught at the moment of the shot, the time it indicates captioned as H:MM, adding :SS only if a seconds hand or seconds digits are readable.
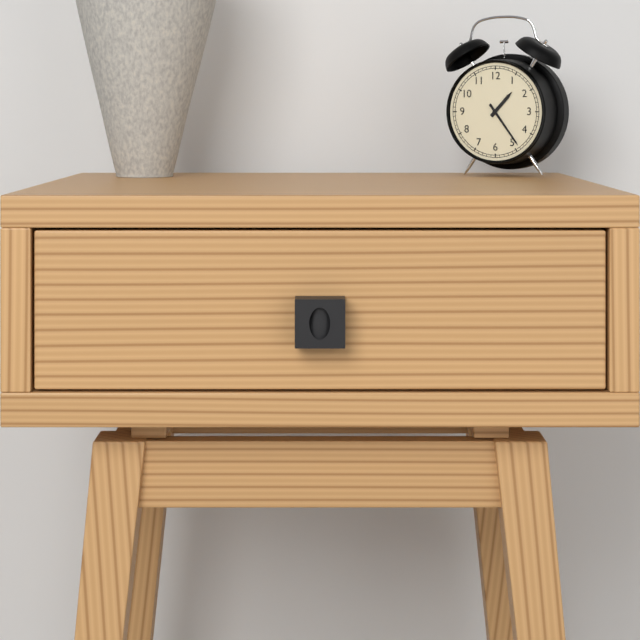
1:24
